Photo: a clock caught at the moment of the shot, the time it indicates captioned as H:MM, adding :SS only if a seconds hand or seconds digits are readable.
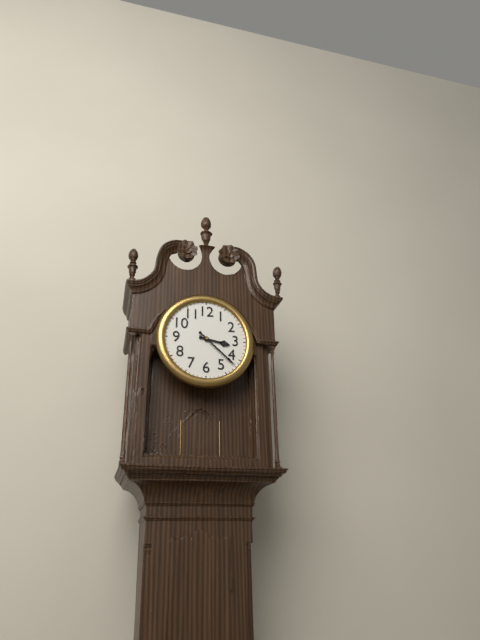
3:22
